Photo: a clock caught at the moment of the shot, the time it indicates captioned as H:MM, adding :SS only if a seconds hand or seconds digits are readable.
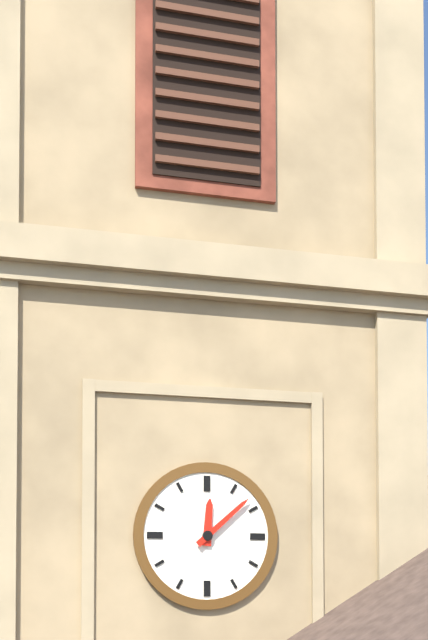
12:08
